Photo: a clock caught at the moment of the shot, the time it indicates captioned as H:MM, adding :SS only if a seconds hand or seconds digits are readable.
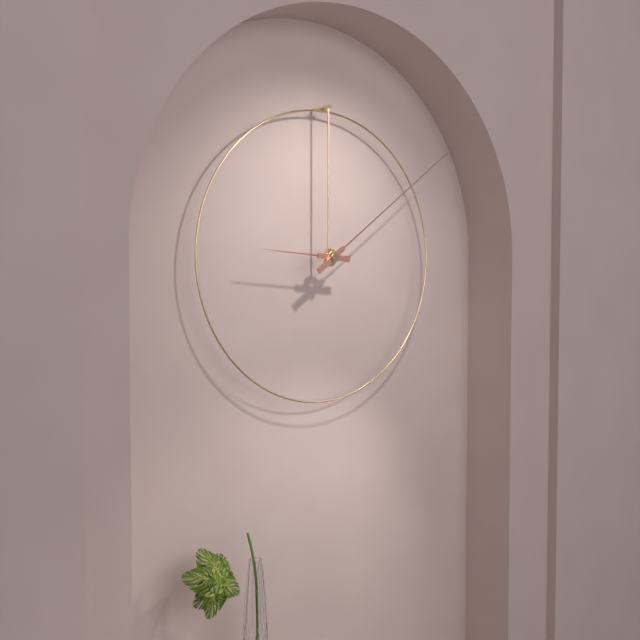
9:09
